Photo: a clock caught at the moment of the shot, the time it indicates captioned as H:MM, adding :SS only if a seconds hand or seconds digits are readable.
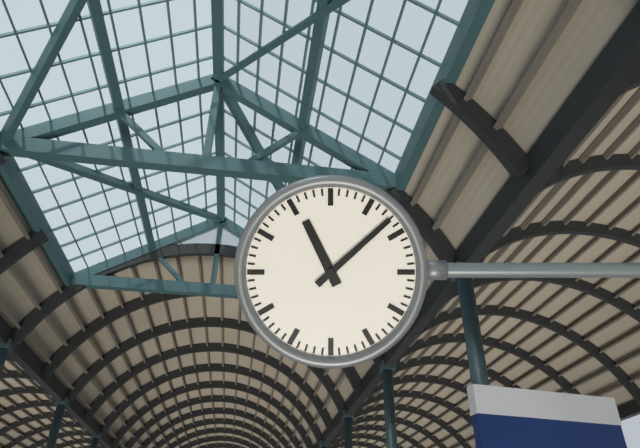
11:08
